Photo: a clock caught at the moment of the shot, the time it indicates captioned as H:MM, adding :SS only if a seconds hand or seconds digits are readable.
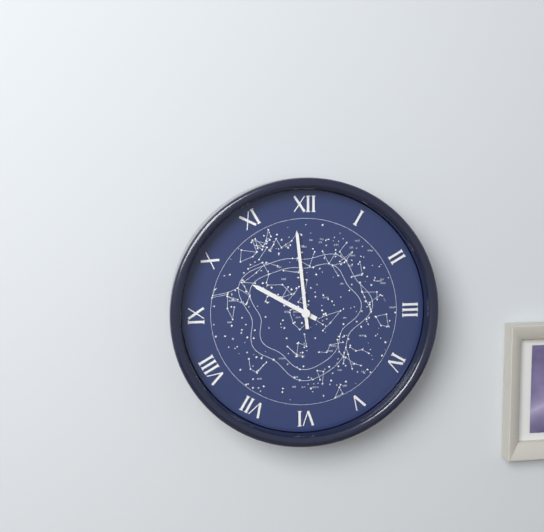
9:59
